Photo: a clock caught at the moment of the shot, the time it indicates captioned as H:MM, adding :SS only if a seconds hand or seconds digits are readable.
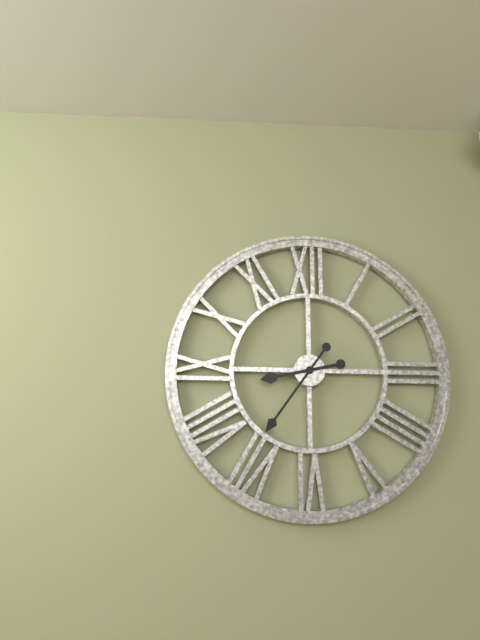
8:36
